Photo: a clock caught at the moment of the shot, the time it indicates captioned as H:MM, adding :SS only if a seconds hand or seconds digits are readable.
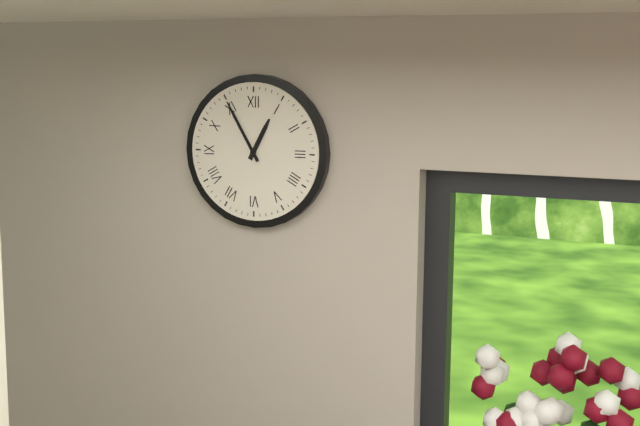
12:55
